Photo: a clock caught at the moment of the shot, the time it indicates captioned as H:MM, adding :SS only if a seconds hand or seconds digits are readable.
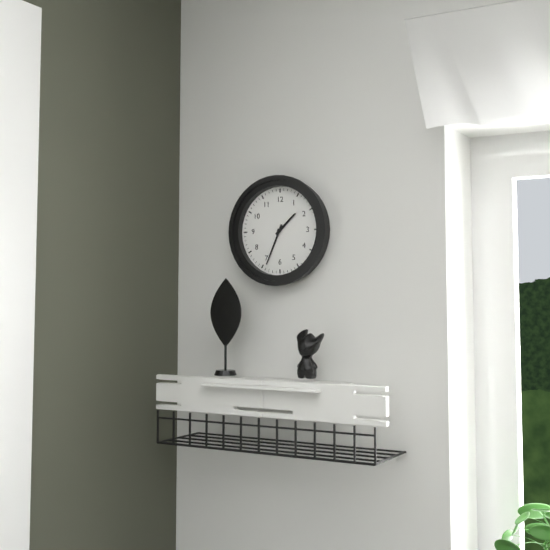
1:34
